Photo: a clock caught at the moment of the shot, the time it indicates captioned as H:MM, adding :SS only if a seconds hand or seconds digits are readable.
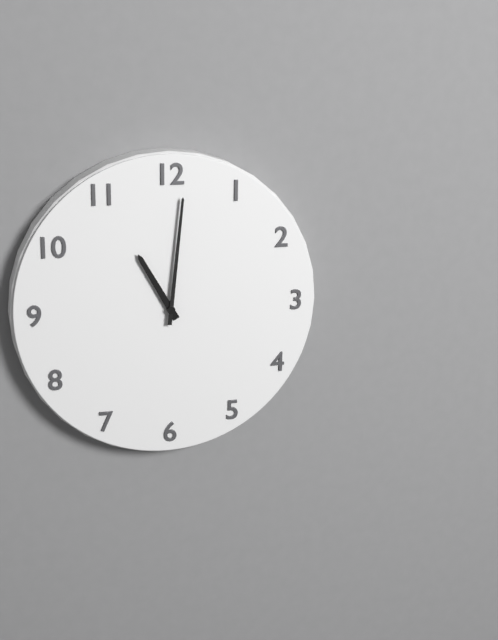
11:01
